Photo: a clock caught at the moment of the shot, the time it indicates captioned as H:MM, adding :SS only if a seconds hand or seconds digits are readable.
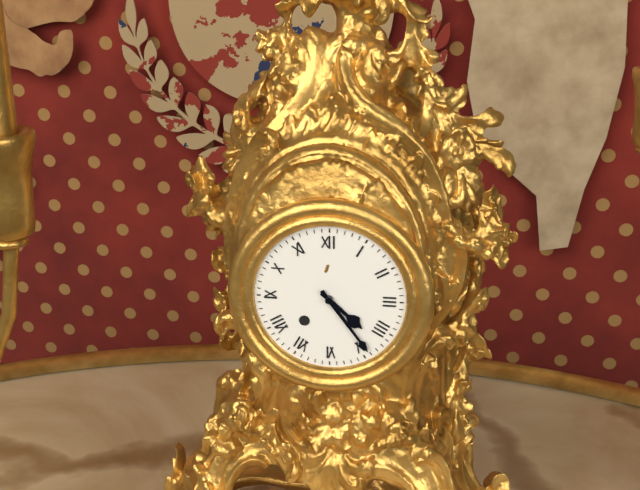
4:24
